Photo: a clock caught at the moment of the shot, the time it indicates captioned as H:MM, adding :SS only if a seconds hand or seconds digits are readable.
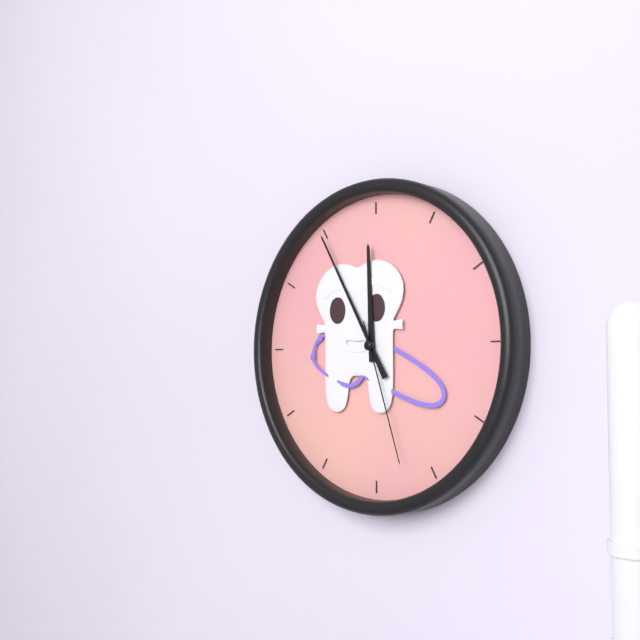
11:55:27
